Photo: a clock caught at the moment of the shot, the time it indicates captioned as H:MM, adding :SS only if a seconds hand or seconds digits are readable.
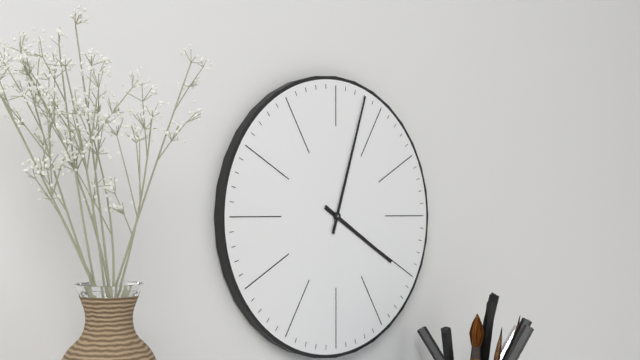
4:03
